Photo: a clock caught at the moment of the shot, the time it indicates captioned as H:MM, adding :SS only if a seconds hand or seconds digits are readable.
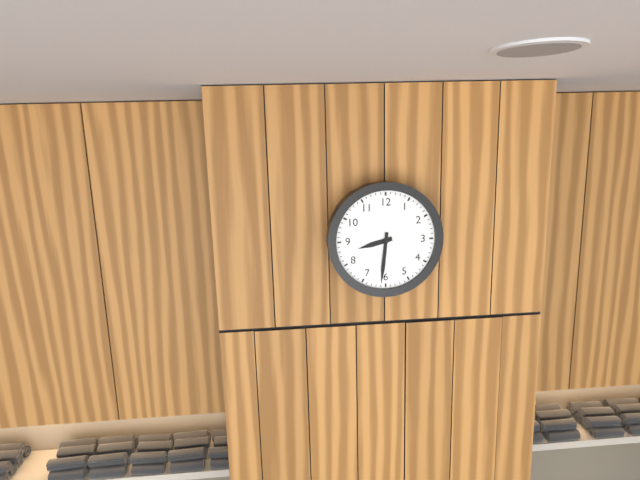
8:31
